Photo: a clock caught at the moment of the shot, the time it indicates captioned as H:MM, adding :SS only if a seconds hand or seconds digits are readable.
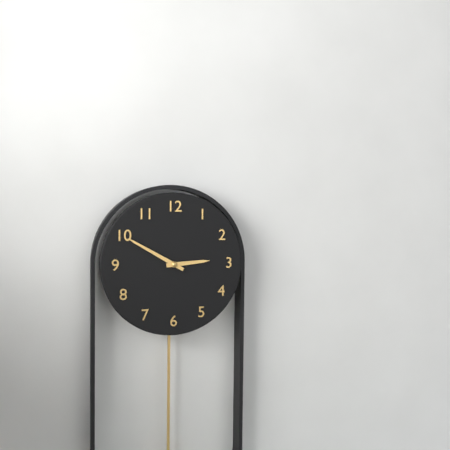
2:50
